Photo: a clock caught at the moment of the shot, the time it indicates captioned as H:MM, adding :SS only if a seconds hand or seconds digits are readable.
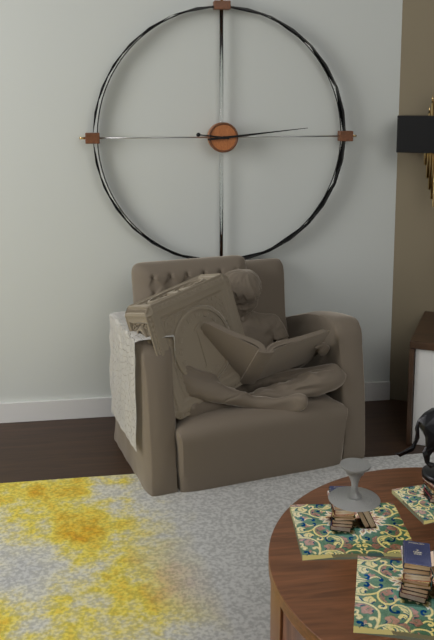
9:14
